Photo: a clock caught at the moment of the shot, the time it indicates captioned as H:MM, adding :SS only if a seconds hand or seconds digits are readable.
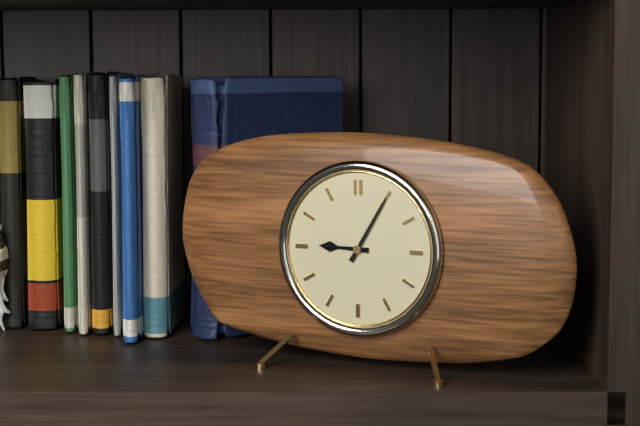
9:05
